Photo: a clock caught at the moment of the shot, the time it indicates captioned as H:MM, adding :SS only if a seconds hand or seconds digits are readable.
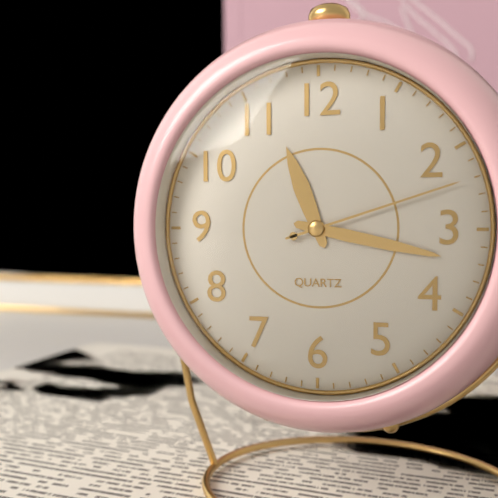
11:17:12
